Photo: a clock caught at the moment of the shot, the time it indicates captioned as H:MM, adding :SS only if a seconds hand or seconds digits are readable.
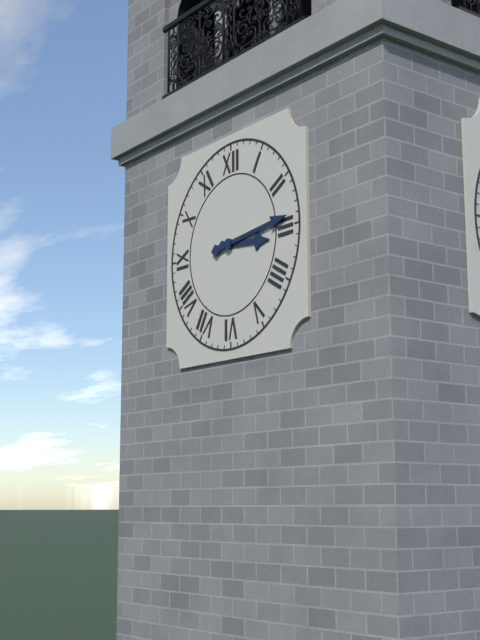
3:14
